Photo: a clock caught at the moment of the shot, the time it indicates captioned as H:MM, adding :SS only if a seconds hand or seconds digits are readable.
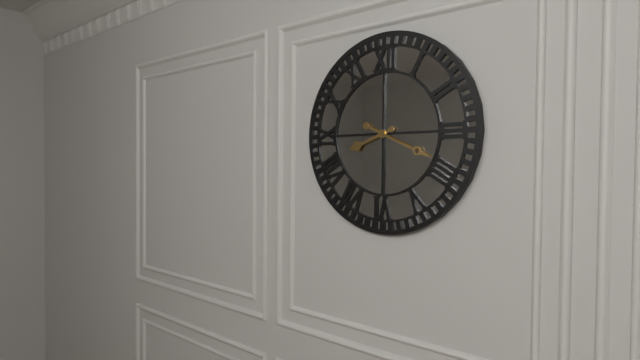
8:19
